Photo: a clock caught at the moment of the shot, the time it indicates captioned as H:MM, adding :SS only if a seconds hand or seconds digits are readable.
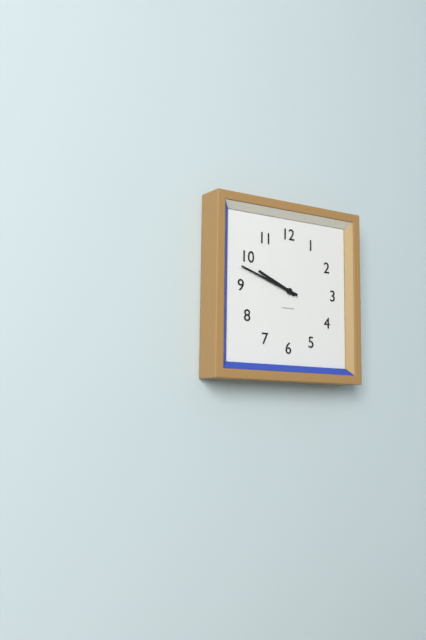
9:48
